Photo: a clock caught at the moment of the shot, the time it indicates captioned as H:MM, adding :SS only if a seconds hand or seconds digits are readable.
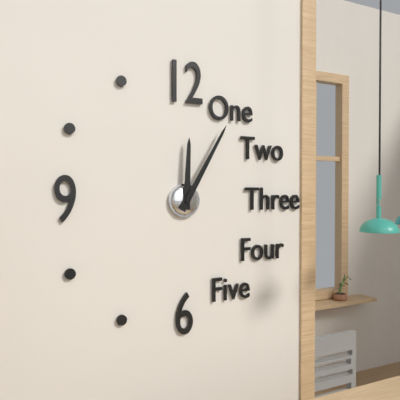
12:05
